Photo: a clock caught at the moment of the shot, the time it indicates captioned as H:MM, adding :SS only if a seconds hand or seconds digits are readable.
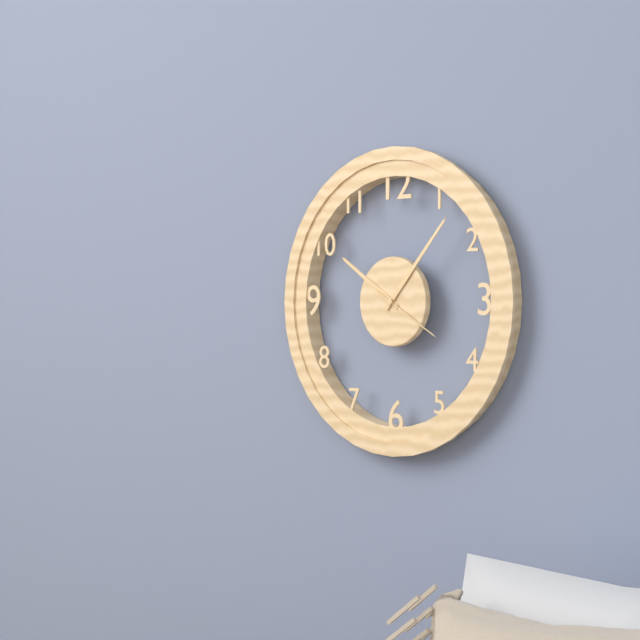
10:07:20
